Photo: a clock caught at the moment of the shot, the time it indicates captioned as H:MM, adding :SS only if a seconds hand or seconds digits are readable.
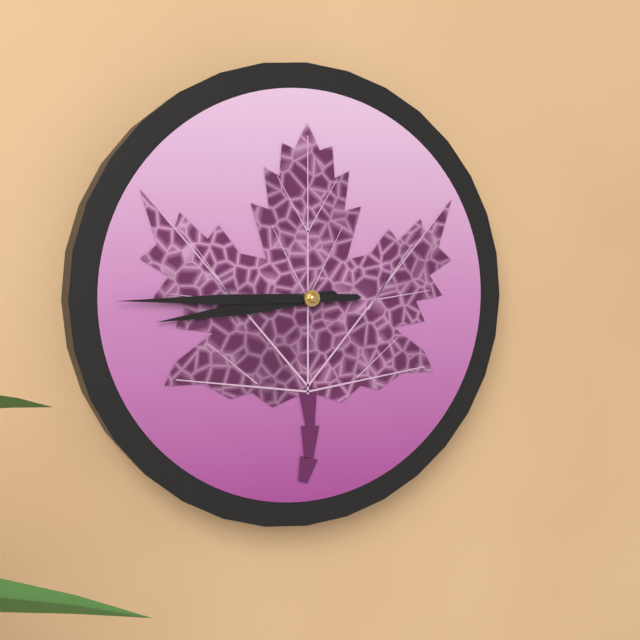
8:45
